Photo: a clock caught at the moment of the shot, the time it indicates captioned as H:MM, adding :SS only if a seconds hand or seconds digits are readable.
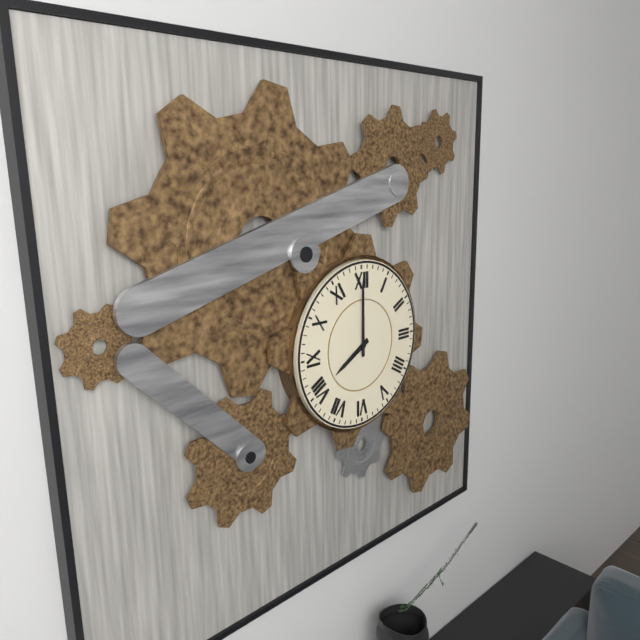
8:00
